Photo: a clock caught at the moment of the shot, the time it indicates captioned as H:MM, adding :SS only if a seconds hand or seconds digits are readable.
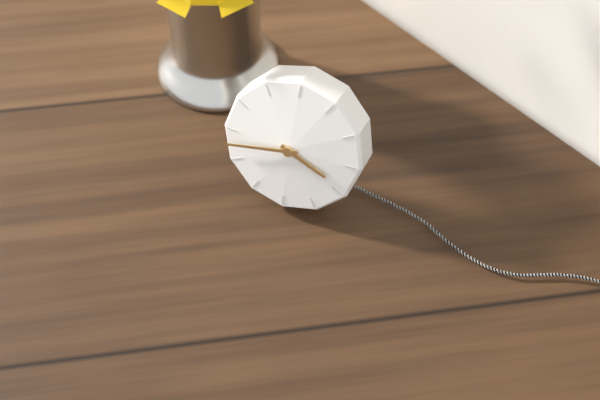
3:43
